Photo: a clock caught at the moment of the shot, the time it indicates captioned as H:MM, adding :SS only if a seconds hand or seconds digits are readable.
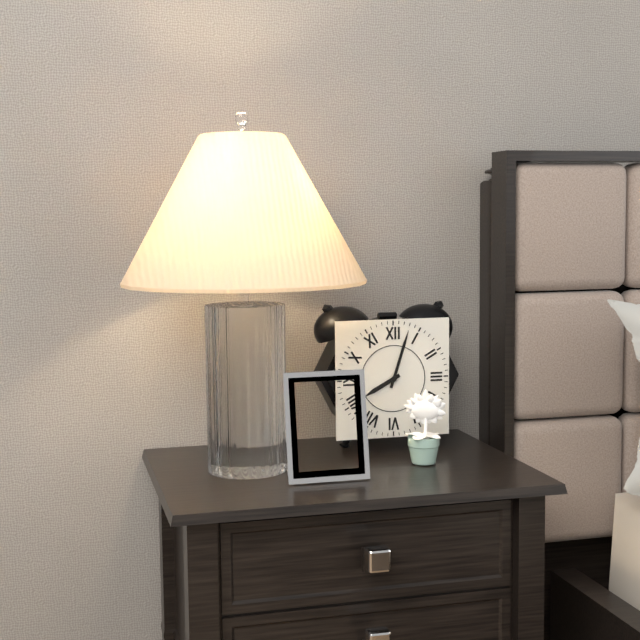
8:03
